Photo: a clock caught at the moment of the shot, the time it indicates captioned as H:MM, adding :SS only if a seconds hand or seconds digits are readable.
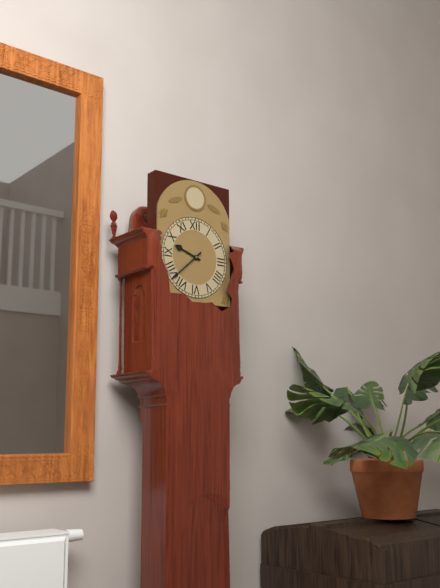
9:38
